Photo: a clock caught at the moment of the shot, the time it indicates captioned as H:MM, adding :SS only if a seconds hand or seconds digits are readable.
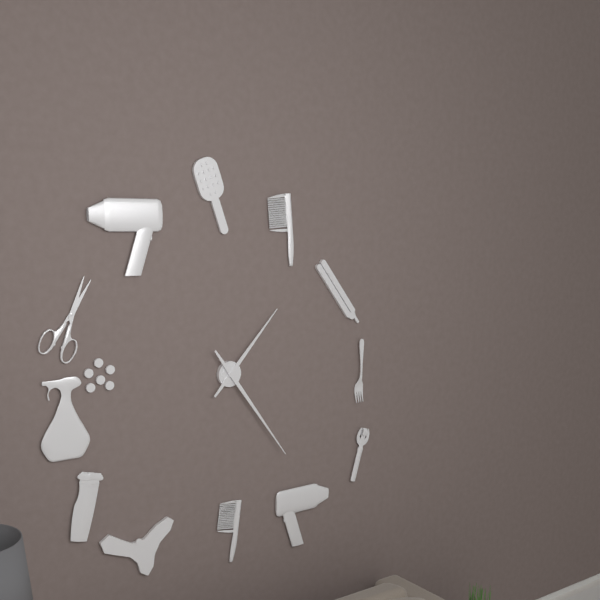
1:24
